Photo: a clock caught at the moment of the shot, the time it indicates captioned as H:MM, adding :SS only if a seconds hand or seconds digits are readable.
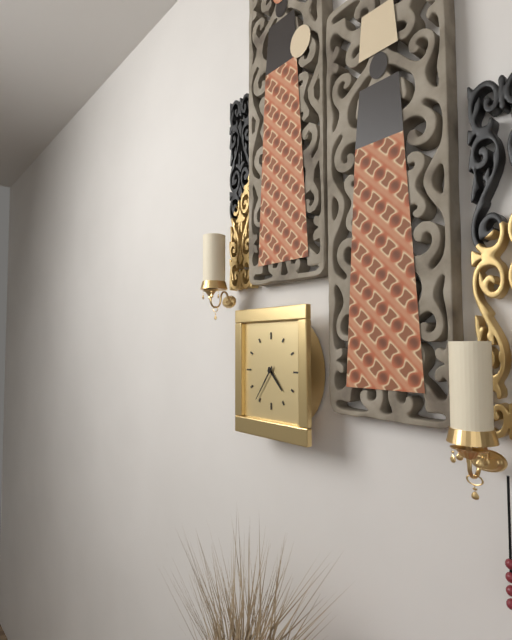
4:36
